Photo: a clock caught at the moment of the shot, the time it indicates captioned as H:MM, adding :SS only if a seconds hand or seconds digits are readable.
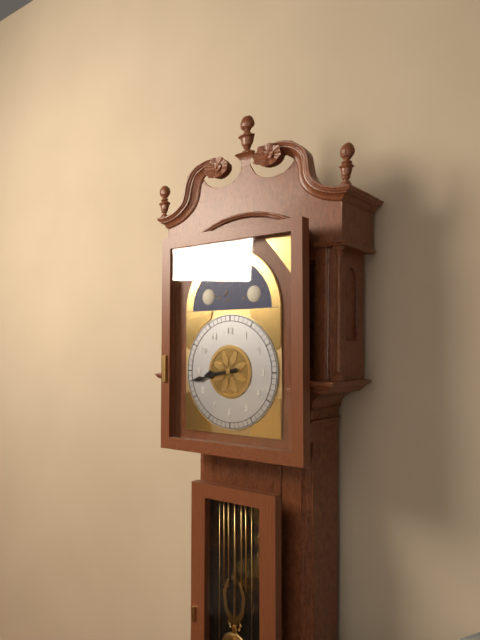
8:43
